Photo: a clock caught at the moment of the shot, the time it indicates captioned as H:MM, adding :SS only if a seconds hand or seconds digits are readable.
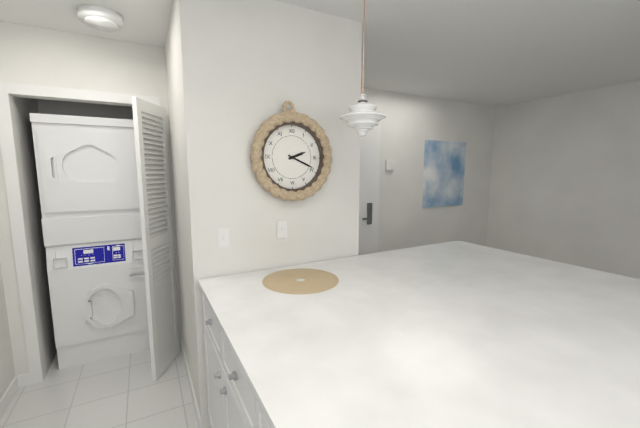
2:19
